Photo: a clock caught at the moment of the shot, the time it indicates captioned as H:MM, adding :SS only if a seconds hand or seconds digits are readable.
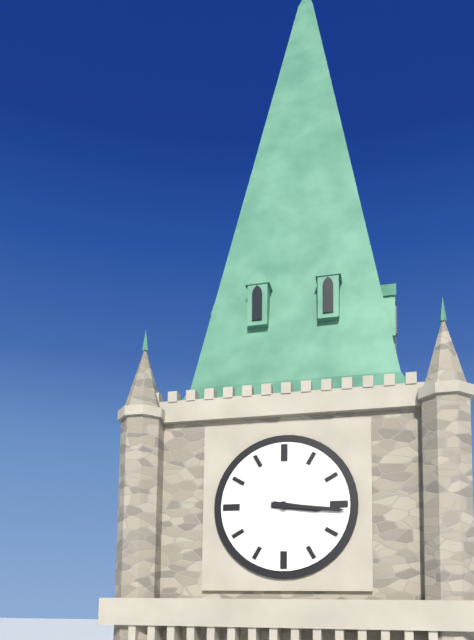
3:16
